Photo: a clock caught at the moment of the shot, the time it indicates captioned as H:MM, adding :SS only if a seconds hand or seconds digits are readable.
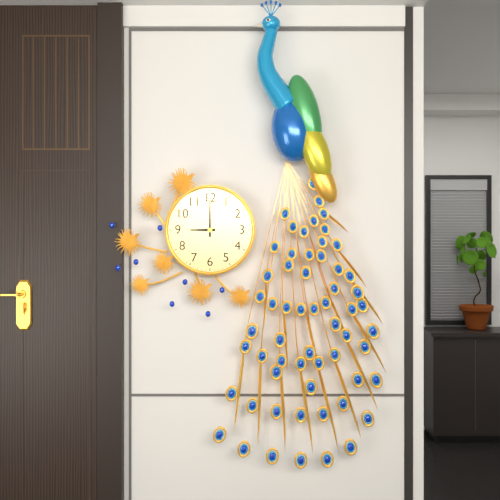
9:00
